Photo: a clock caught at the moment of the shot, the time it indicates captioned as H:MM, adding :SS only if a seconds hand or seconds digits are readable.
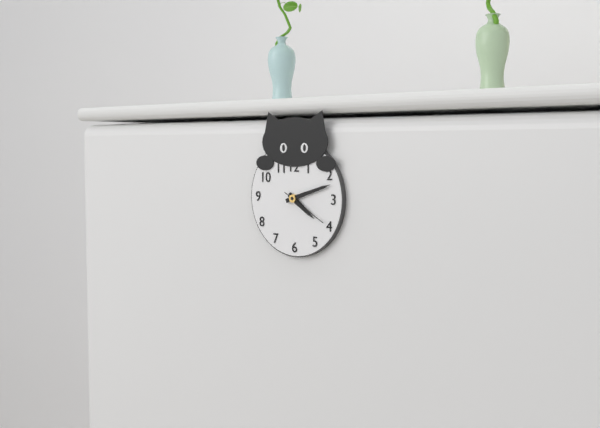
4:12
